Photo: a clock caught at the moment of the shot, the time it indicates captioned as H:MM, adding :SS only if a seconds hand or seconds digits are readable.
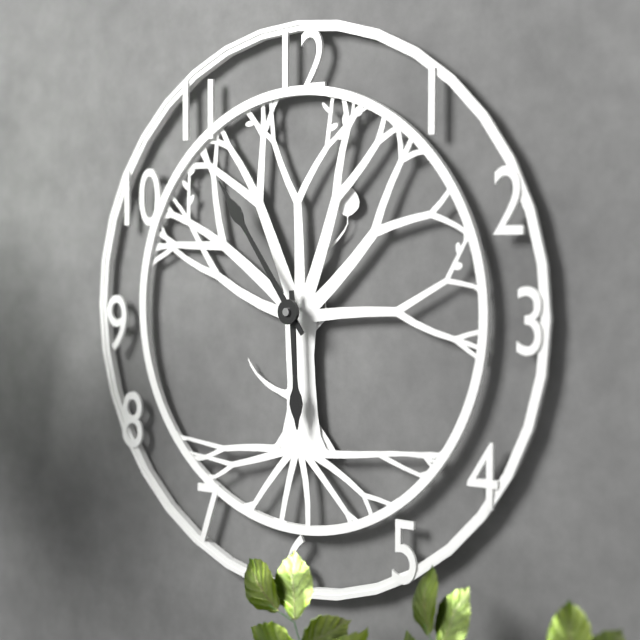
5:54
